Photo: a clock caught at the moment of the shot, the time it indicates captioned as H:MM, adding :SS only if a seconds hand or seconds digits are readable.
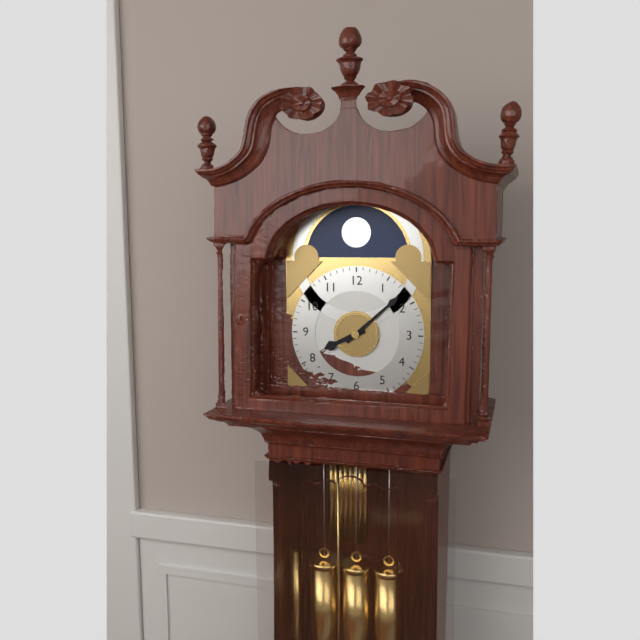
8:08
